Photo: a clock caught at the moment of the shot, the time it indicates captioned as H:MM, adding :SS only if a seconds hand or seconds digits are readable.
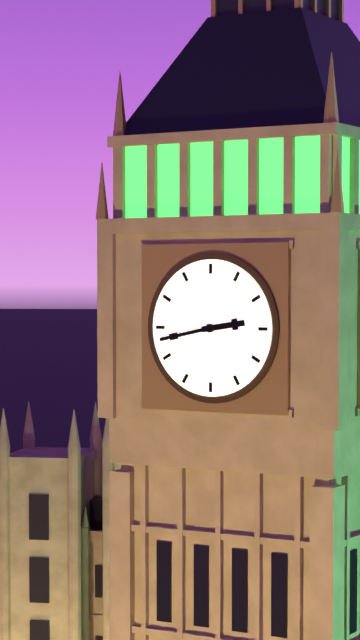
2:43
